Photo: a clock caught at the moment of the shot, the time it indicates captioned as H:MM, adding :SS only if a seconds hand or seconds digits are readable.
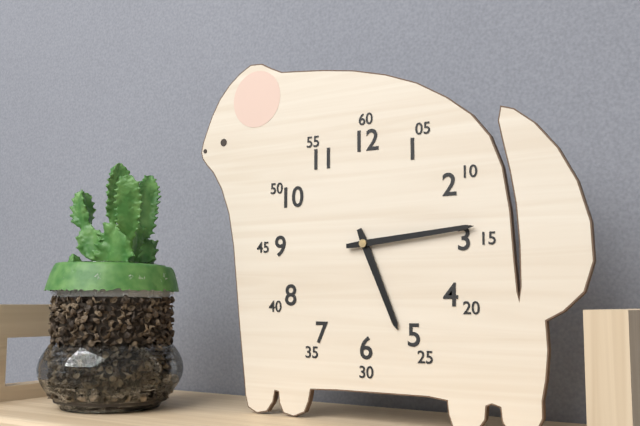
5:14
